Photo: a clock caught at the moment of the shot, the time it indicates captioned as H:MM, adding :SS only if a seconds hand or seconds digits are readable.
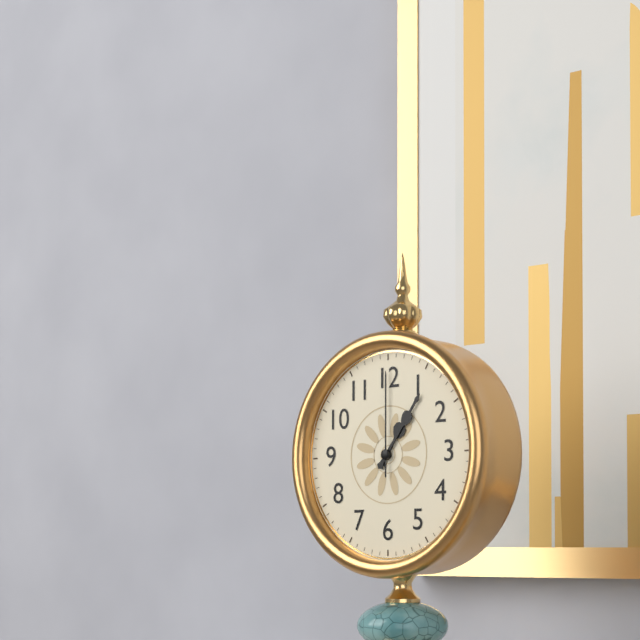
1:06:00
